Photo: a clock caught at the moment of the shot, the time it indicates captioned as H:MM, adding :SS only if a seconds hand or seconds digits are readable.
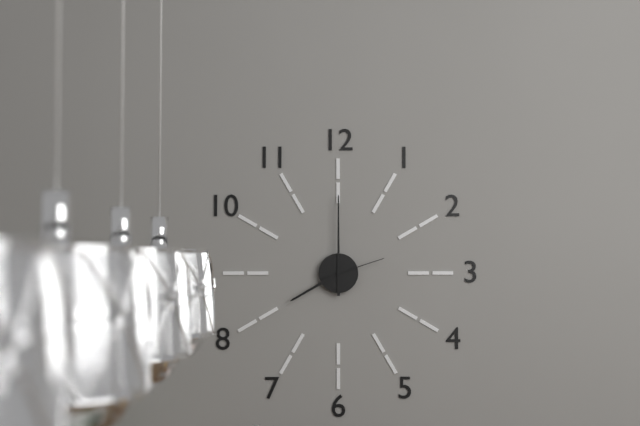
8:00:12
